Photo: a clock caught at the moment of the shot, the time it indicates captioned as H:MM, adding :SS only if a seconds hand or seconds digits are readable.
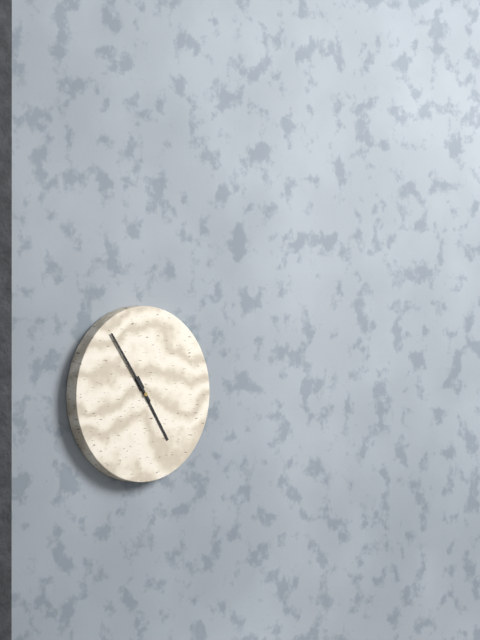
4:54
